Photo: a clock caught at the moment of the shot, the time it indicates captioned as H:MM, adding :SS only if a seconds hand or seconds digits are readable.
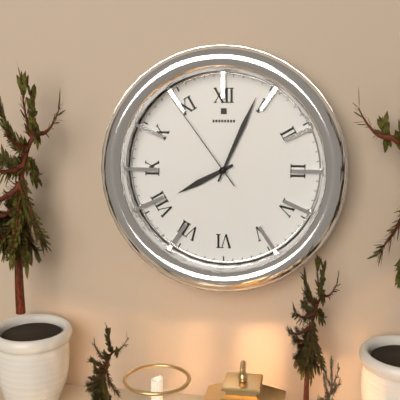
8:04:54
